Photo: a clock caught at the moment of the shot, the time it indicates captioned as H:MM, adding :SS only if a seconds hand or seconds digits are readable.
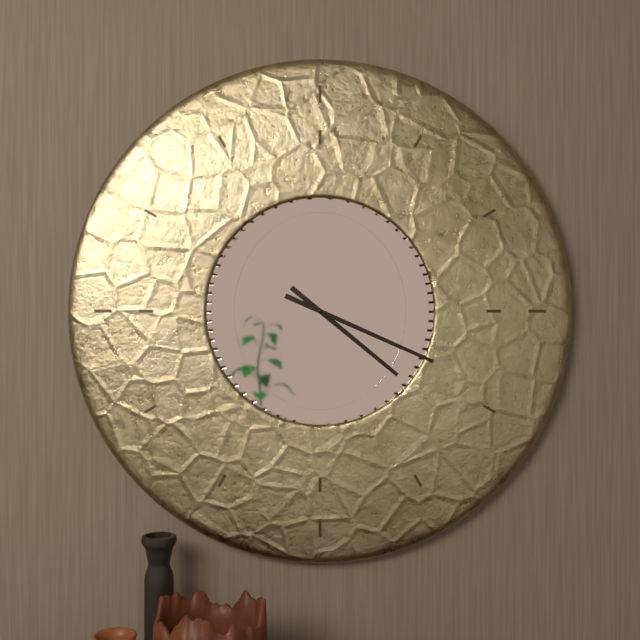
4:19
